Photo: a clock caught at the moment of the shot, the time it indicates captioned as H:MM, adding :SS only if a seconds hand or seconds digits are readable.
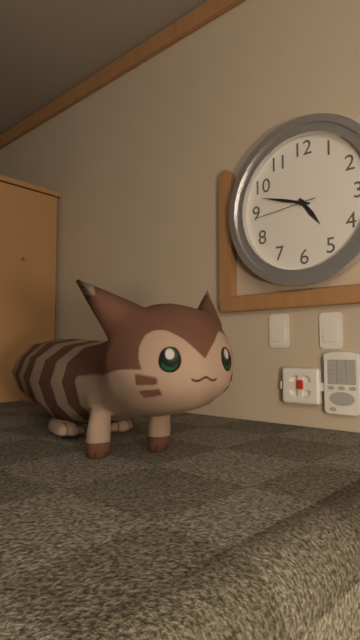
4:48:44
